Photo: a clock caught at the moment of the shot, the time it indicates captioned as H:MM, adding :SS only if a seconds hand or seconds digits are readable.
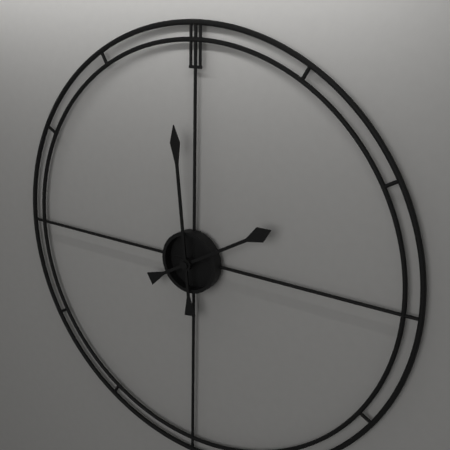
1:59
